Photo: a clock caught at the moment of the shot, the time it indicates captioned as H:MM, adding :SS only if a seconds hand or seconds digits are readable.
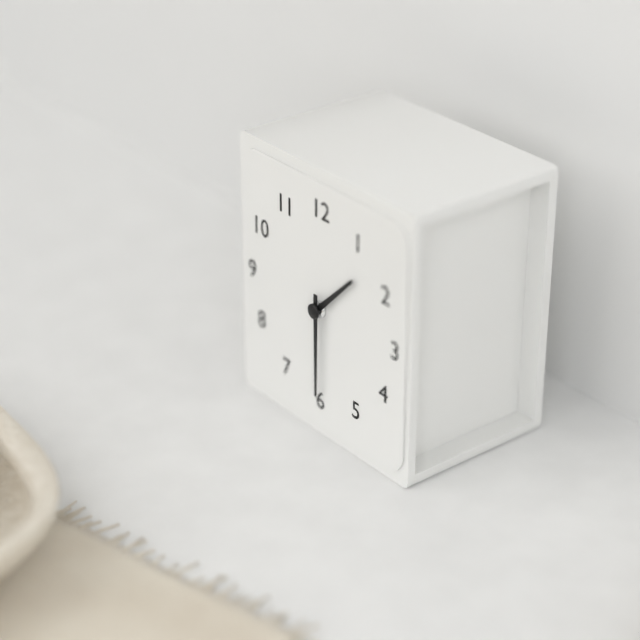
1:30
